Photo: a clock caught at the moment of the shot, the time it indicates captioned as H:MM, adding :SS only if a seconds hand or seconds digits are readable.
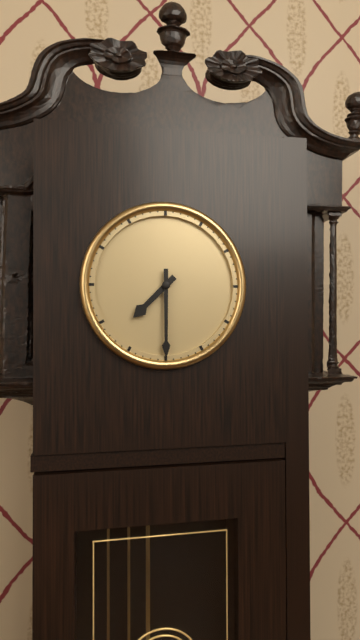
7:30
